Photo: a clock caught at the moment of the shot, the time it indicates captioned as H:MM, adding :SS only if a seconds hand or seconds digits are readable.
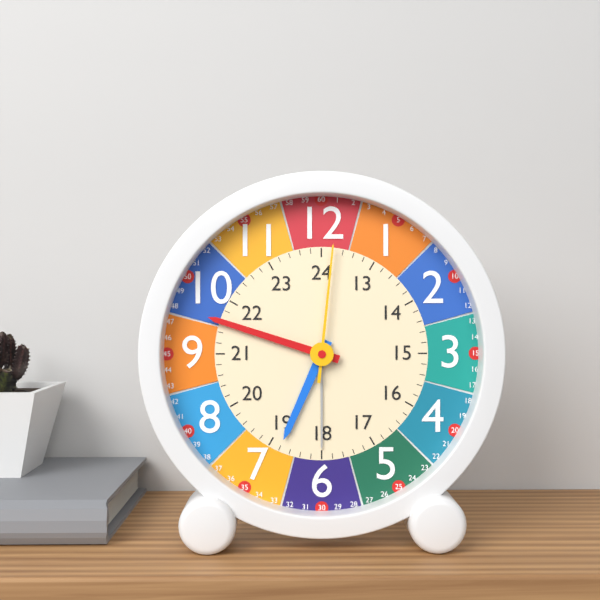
6:48:01
